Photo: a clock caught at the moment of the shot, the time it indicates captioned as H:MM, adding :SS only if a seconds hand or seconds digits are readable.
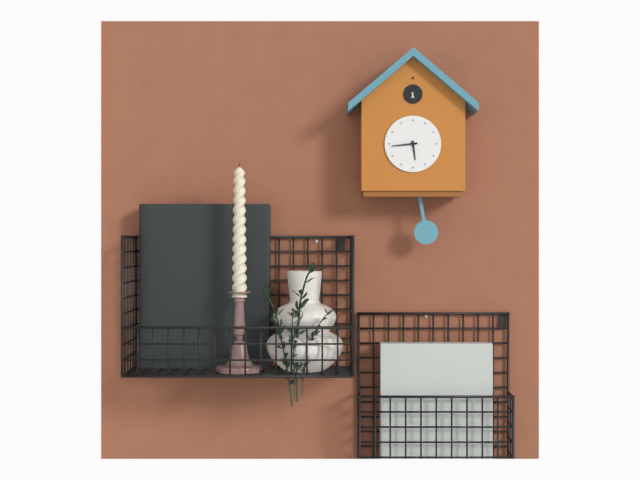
5:44
